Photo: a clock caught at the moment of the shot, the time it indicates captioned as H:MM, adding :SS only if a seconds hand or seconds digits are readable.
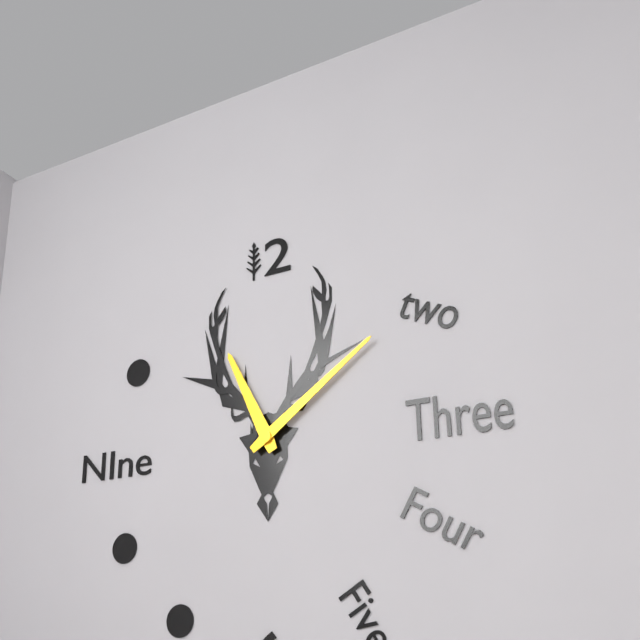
11:09
